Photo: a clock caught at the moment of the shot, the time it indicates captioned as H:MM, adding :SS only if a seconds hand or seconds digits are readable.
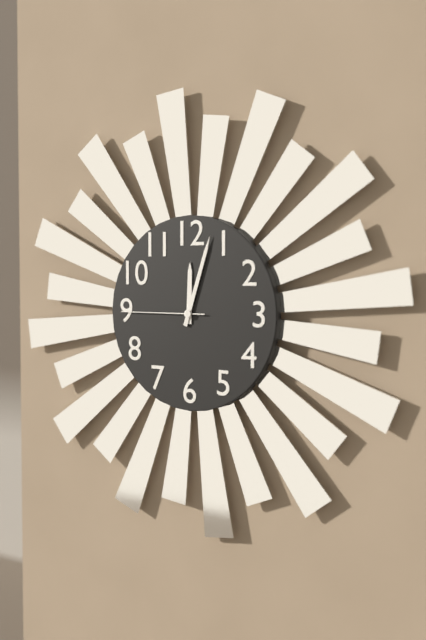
12:03:45
